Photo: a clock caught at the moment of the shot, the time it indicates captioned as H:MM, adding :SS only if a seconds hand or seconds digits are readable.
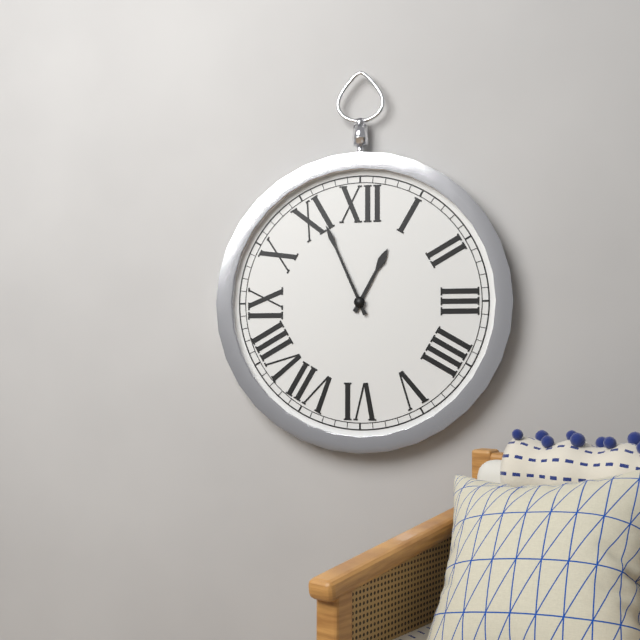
12:56
